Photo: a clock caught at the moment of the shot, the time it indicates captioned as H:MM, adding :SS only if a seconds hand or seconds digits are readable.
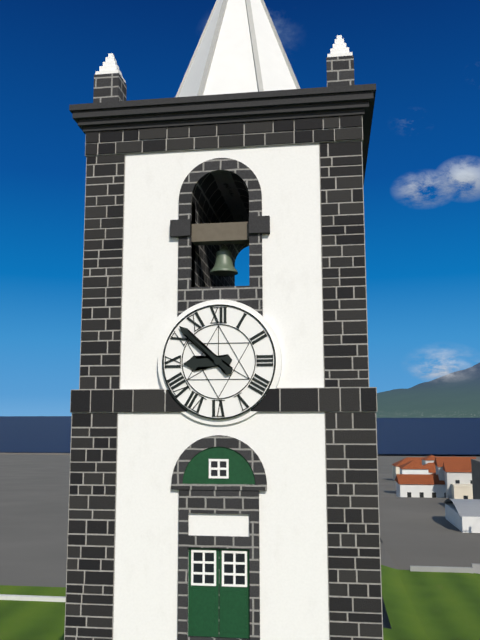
8:52
